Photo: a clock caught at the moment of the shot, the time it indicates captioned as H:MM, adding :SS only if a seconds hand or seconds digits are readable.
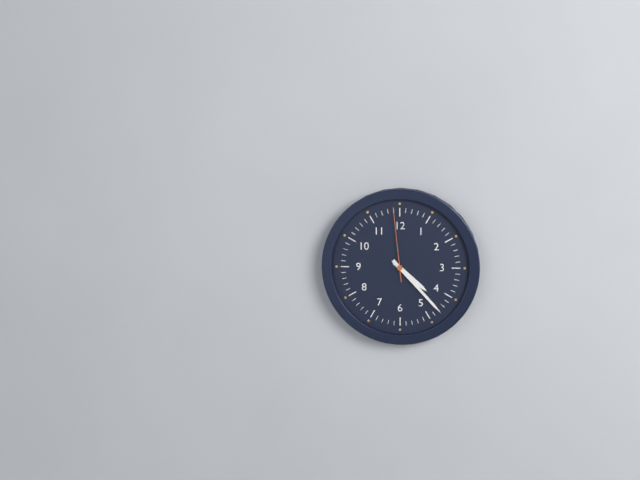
4:23:59
